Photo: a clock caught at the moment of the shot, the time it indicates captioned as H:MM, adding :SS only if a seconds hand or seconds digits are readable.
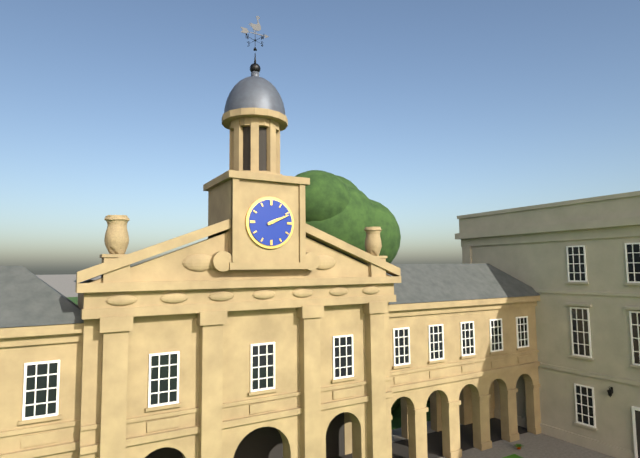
2:11
